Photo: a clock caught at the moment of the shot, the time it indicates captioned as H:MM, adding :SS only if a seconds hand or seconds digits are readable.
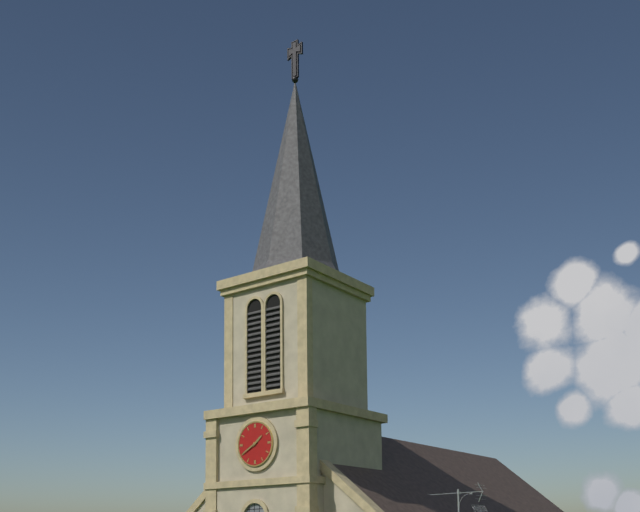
1:40
